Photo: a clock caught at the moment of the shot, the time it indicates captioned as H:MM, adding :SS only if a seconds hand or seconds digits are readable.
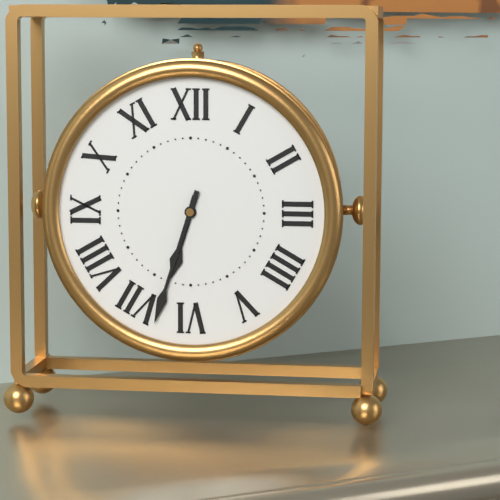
6:33
